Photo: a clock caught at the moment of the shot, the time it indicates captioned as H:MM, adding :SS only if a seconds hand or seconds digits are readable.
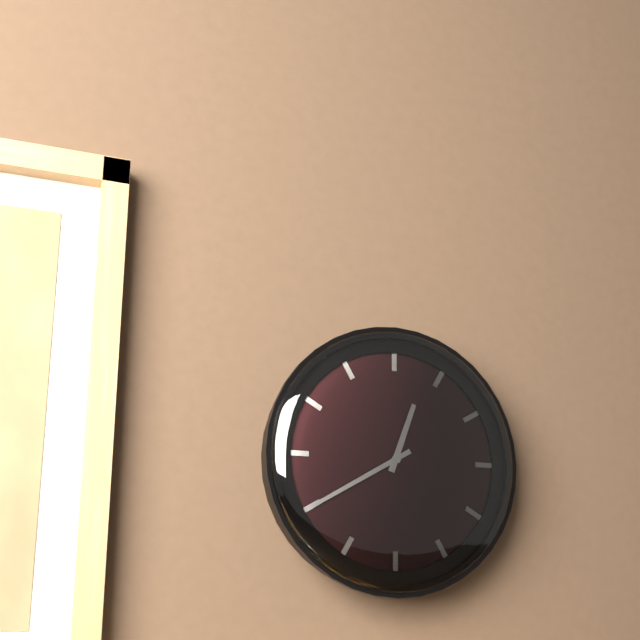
12:40
